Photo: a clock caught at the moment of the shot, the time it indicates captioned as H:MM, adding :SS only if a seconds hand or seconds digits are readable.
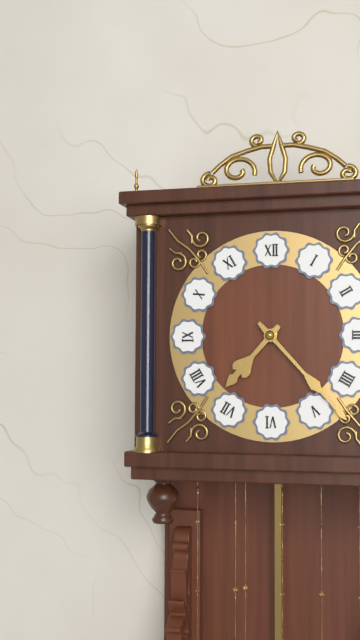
7:23
